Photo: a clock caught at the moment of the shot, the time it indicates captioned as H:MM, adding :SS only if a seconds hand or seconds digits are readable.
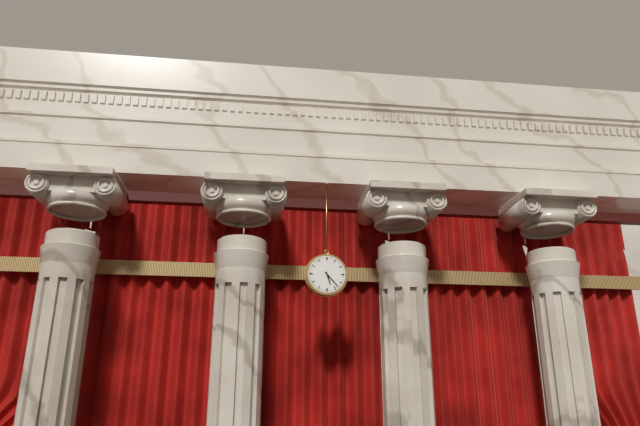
5:23
